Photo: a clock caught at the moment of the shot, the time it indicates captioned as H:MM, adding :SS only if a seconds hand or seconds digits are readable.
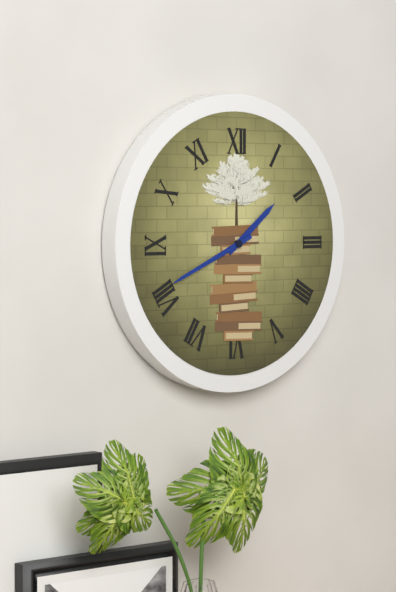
1:41
